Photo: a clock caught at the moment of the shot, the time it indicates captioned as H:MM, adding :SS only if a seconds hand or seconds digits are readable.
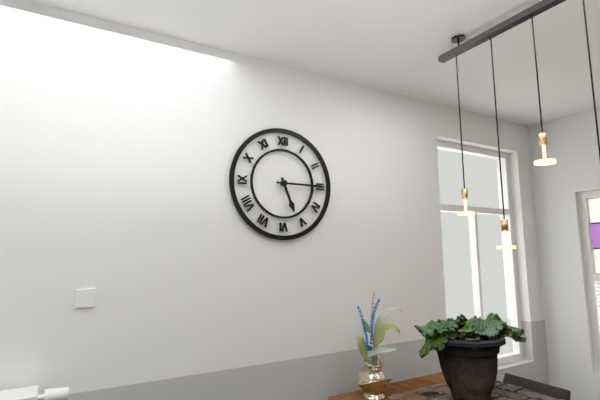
5:15
